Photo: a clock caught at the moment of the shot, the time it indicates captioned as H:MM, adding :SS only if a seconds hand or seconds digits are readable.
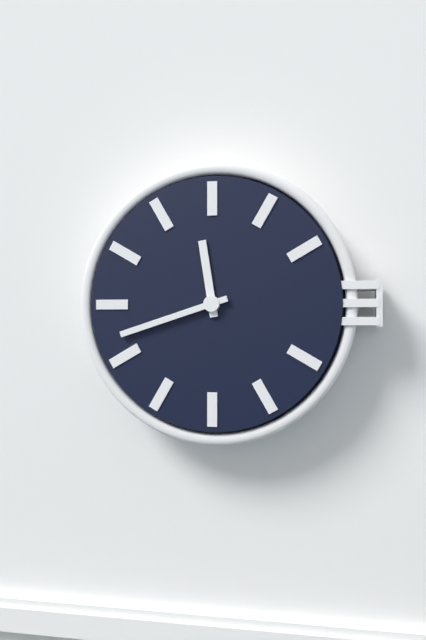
11:42
